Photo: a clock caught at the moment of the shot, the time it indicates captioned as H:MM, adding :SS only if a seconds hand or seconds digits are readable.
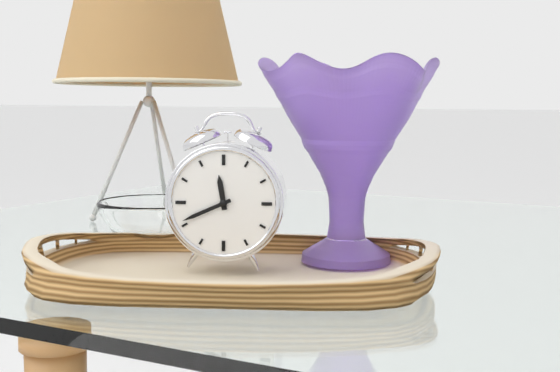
11:41
